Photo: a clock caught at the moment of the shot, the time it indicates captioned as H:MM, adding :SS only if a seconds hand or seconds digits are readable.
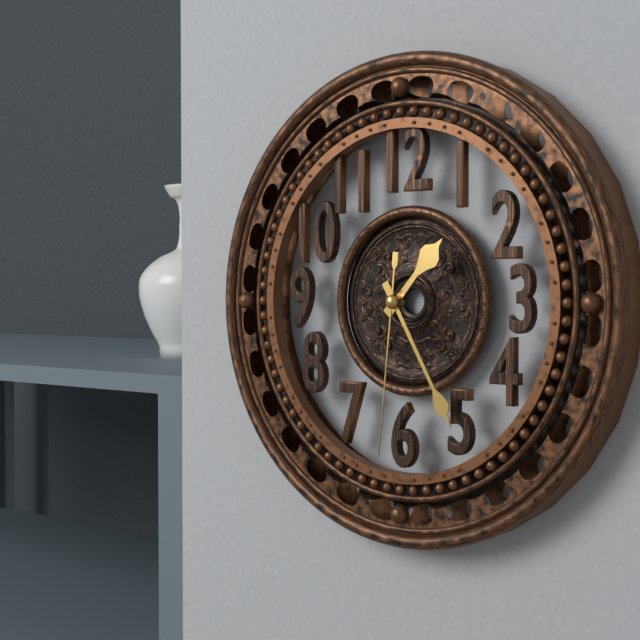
1:25:31
